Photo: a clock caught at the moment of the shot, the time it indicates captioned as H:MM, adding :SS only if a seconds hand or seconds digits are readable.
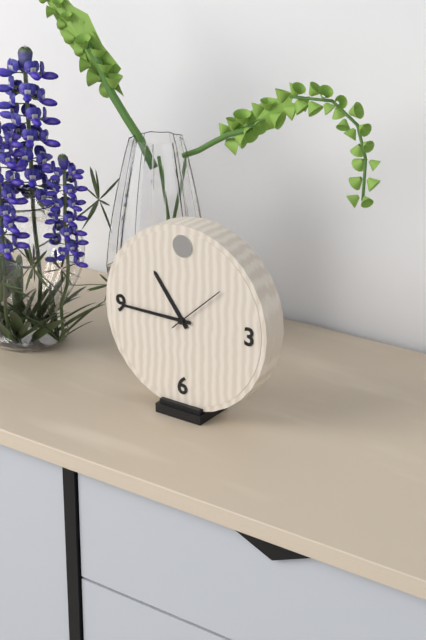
10:45:08
